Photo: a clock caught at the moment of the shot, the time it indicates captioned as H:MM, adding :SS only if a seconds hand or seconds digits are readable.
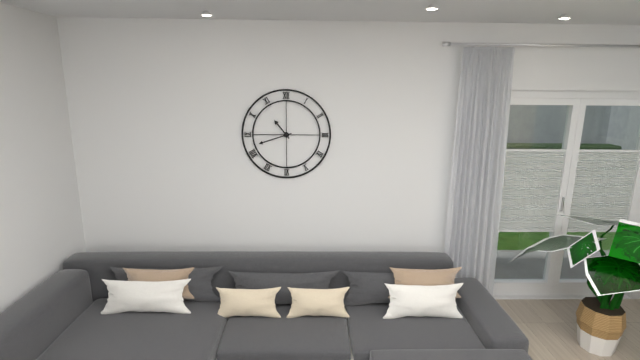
10:42
